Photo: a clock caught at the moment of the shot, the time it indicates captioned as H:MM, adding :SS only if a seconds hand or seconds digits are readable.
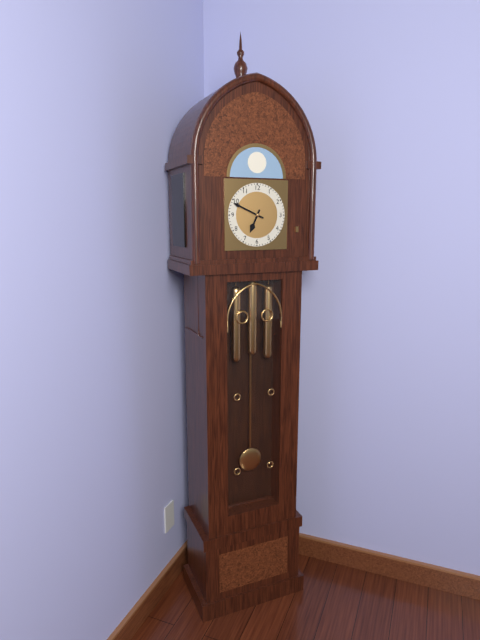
6:49
